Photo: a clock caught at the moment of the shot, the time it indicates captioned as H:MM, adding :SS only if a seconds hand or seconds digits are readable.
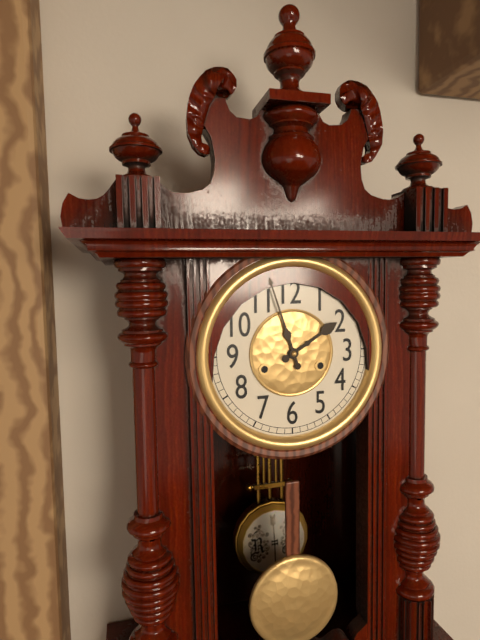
1:57
